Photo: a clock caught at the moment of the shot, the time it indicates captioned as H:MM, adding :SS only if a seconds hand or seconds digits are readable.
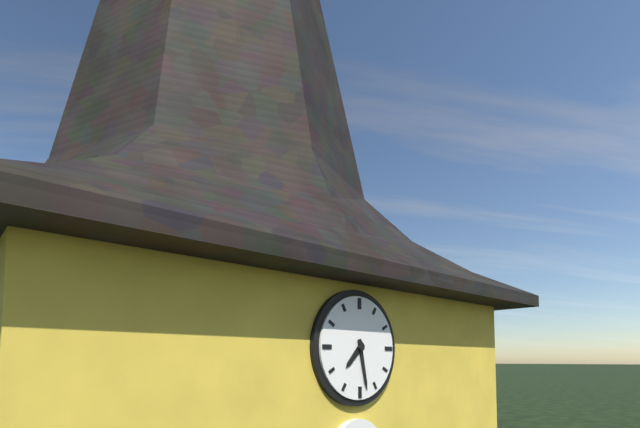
7:28
